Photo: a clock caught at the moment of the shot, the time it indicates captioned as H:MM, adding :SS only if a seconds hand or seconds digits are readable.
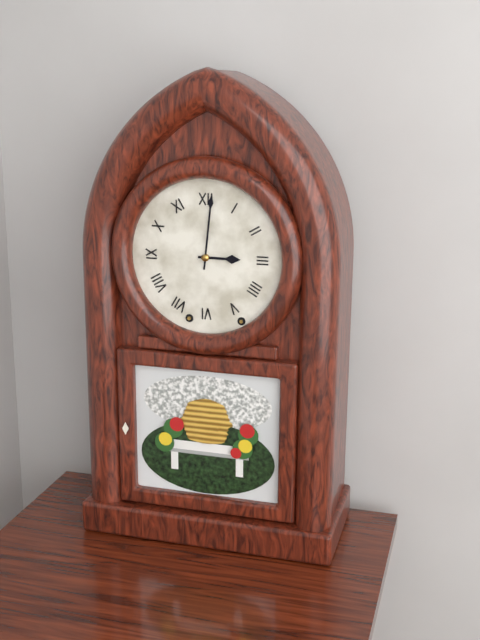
3:01
